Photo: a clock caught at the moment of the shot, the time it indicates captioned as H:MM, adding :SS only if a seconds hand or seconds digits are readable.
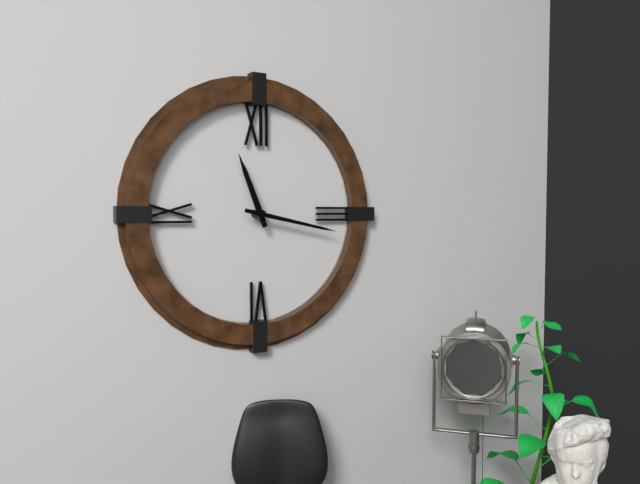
11:17
